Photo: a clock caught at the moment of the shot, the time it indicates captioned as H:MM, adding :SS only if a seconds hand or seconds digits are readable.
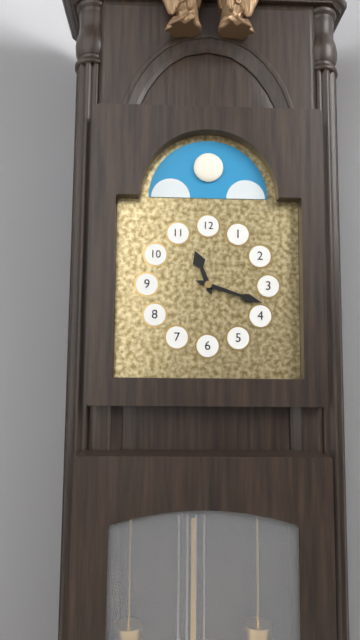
11:18
